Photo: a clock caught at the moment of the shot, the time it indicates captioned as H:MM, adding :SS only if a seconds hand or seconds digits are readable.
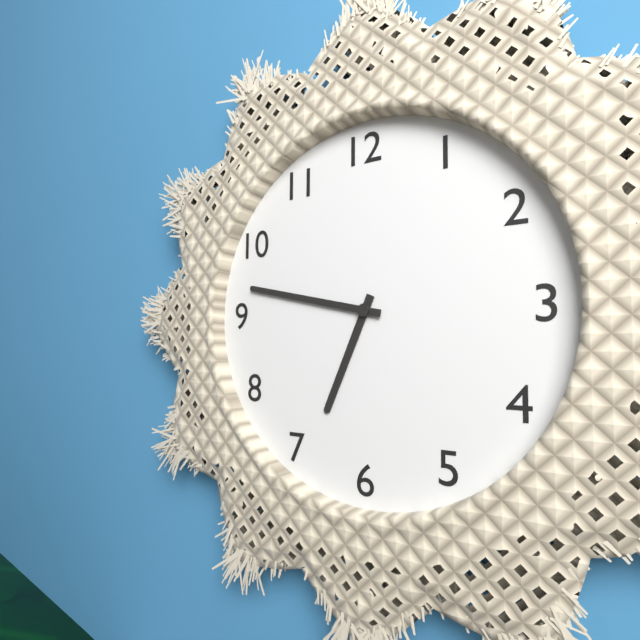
6:47
